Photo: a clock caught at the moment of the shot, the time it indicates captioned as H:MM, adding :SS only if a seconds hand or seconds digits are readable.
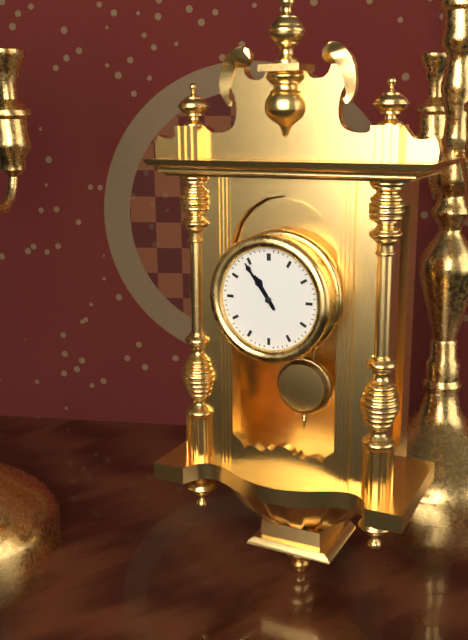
10:54
